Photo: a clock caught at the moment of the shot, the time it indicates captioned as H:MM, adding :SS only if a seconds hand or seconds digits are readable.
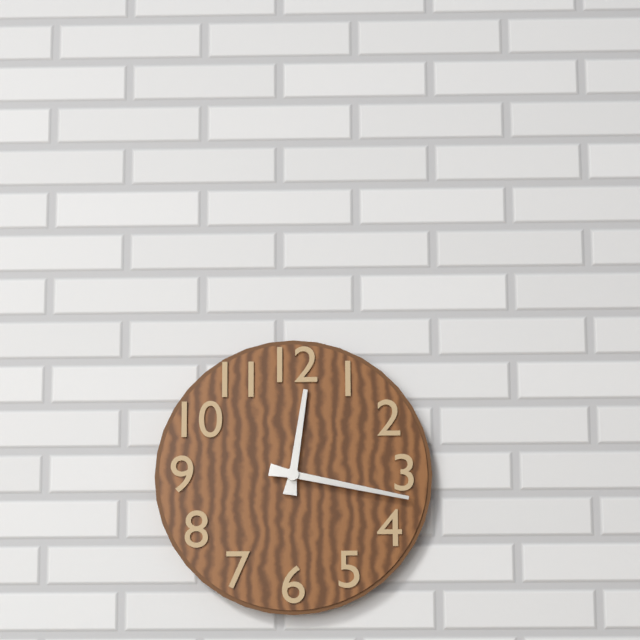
12:17
